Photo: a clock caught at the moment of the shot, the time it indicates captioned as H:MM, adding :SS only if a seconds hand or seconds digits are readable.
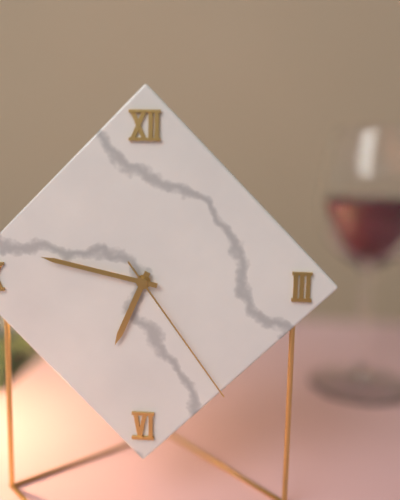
6:47:24
